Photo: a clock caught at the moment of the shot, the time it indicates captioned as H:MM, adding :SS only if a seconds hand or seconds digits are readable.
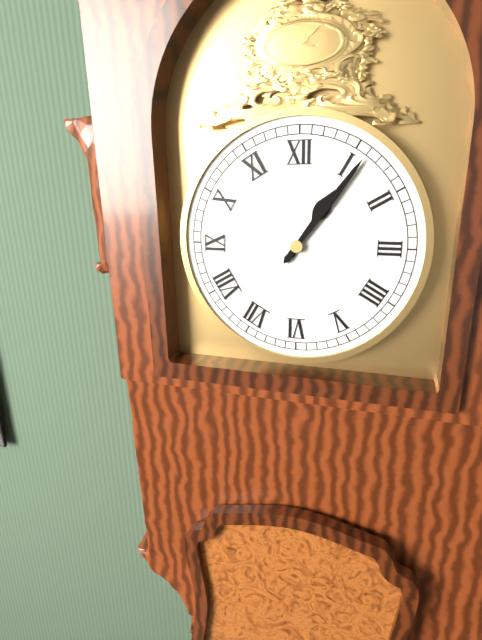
1:06
